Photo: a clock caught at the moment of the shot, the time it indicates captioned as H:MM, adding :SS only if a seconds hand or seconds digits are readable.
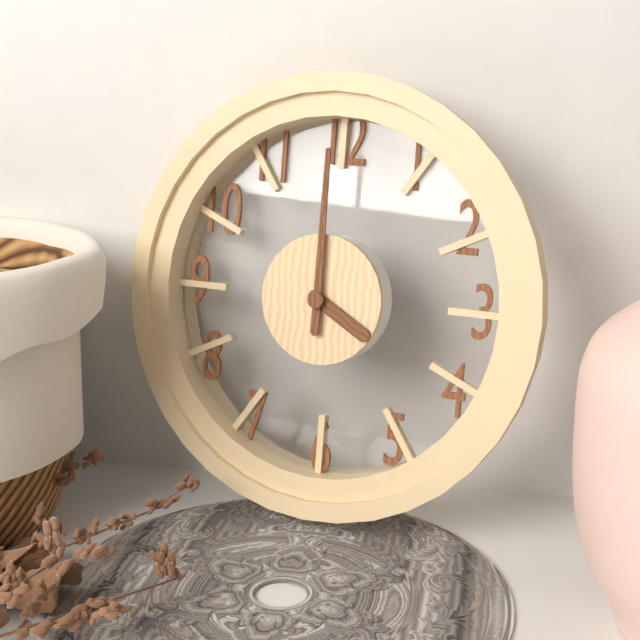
4:00
